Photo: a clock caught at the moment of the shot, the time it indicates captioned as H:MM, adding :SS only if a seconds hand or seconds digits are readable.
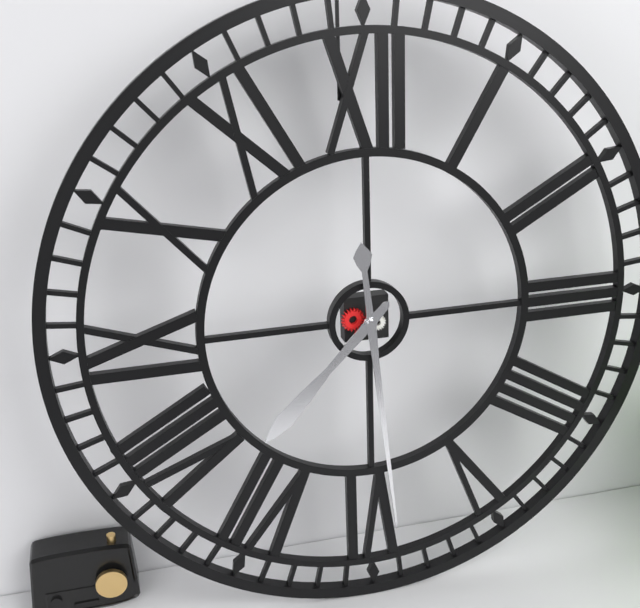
7:29
